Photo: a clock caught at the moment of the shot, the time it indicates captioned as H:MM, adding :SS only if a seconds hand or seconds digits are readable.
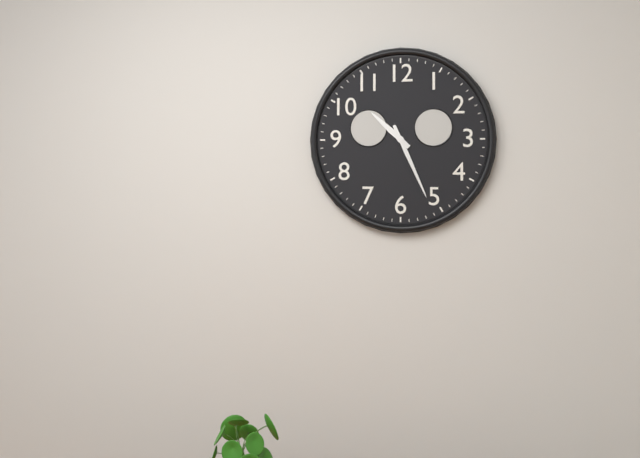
10:26
